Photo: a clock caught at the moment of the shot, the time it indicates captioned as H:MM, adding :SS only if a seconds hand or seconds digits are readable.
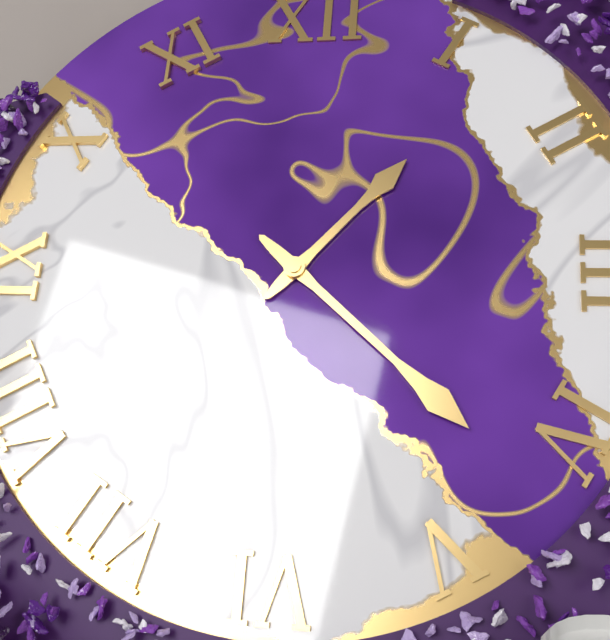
1:22
